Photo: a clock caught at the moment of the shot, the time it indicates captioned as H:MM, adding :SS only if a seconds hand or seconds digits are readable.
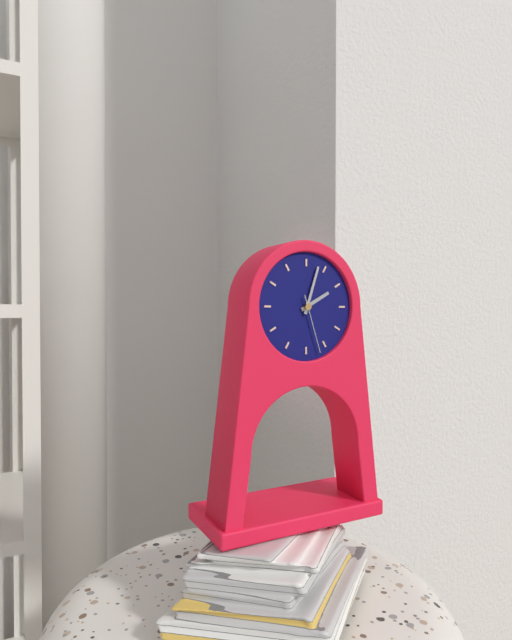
2:03:27
